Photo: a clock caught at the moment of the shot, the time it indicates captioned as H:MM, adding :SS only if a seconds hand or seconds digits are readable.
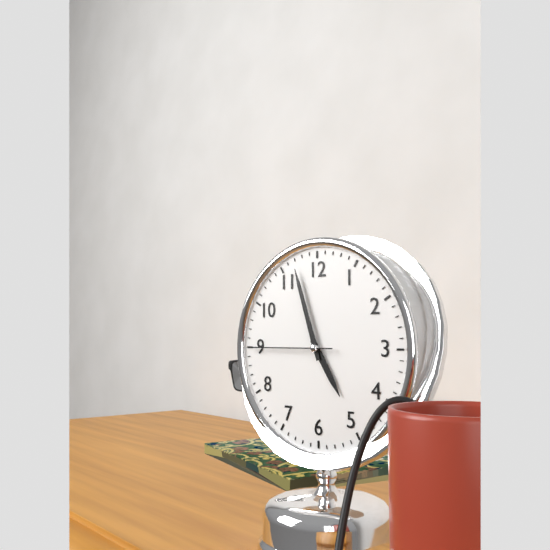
4:57:45
